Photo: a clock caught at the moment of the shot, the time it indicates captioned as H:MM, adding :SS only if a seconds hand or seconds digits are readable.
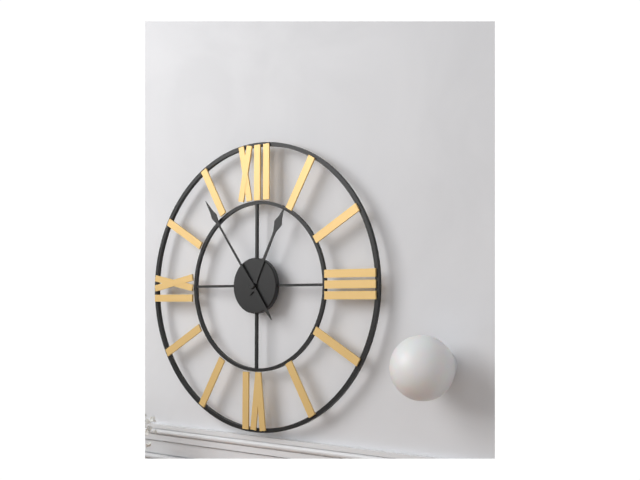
12:54
